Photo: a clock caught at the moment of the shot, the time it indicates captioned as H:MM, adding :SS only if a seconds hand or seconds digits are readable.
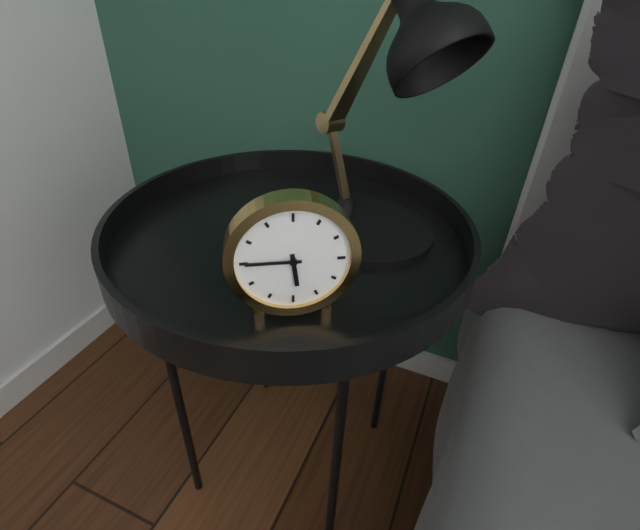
5:45
